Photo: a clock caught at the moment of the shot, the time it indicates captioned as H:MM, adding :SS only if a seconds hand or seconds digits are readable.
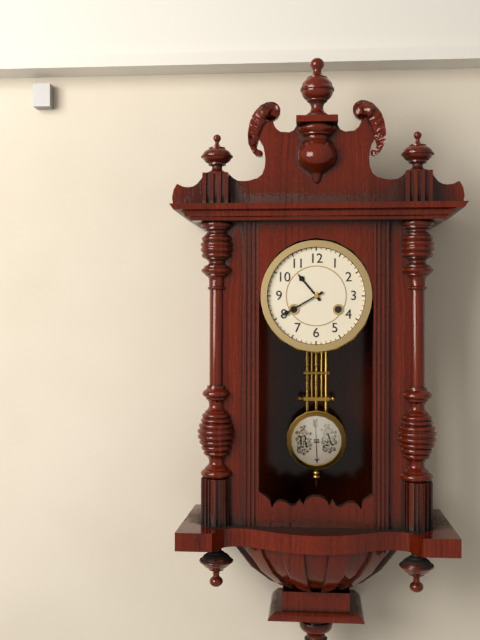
10:40
